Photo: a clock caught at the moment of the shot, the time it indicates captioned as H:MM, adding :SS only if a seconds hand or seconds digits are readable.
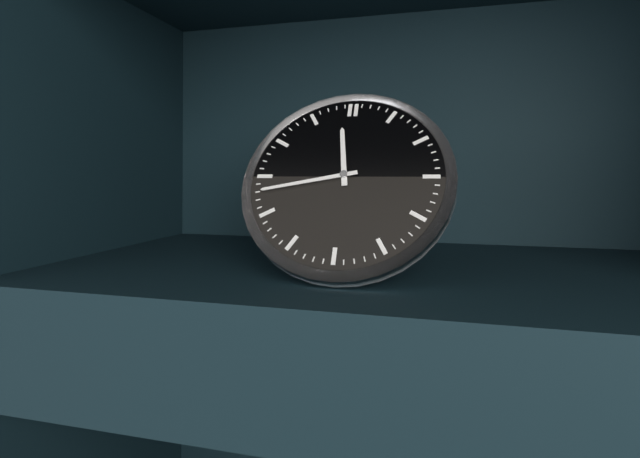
11:43
